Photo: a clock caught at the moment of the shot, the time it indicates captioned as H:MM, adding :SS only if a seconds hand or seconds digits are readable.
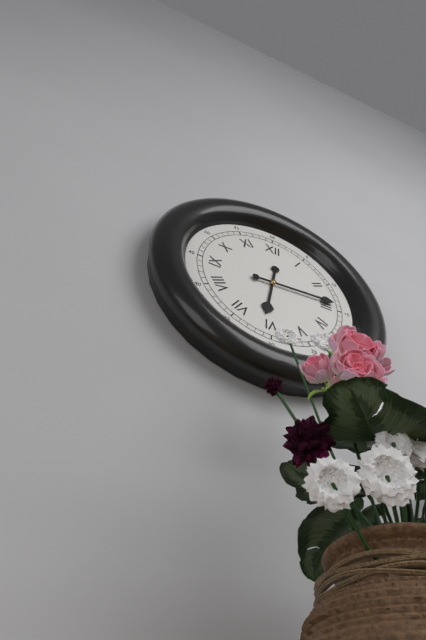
6:14
